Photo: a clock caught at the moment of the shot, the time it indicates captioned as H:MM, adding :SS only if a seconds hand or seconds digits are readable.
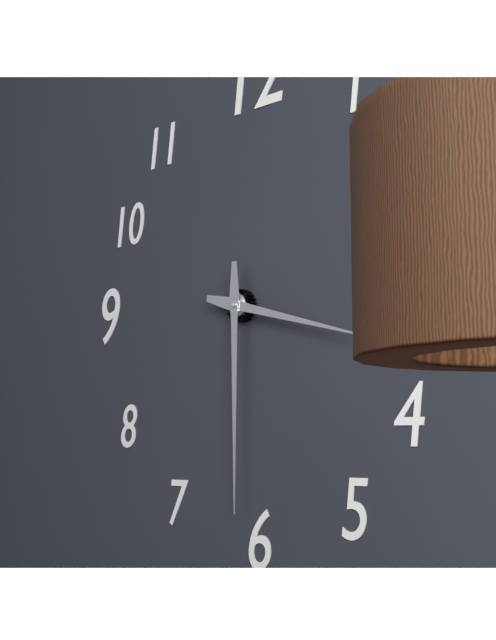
3:30
